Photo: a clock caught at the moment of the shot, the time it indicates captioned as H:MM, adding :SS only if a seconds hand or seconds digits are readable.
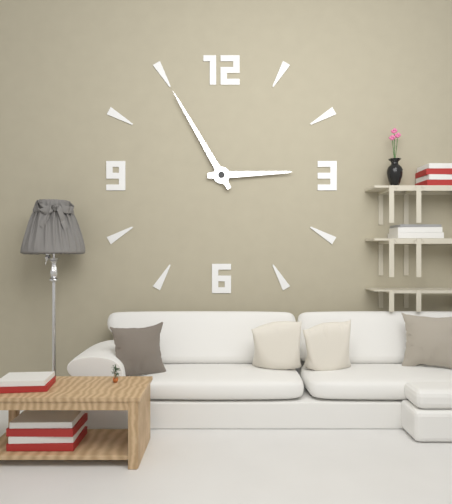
2:55
